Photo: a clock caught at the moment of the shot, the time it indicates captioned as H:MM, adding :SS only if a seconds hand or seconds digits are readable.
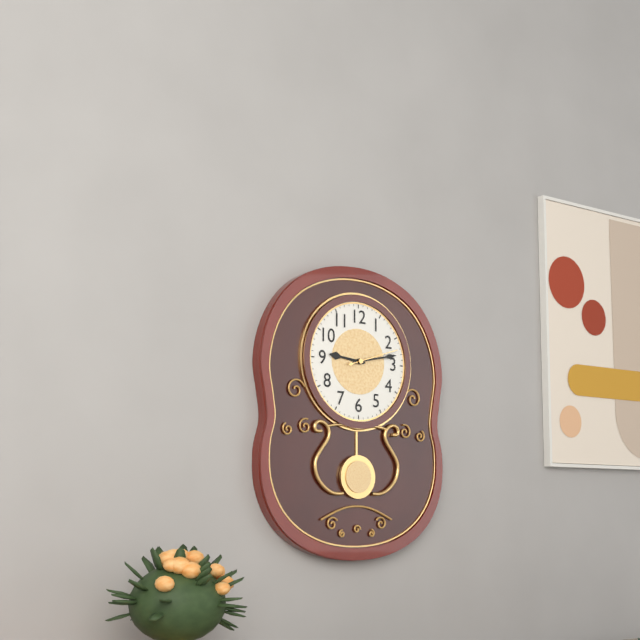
9:13:12
